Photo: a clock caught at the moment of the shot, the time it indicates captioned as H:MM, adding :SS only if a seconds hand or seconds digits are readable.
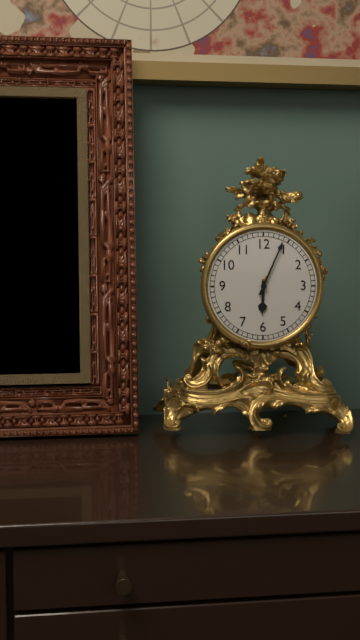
6:04
